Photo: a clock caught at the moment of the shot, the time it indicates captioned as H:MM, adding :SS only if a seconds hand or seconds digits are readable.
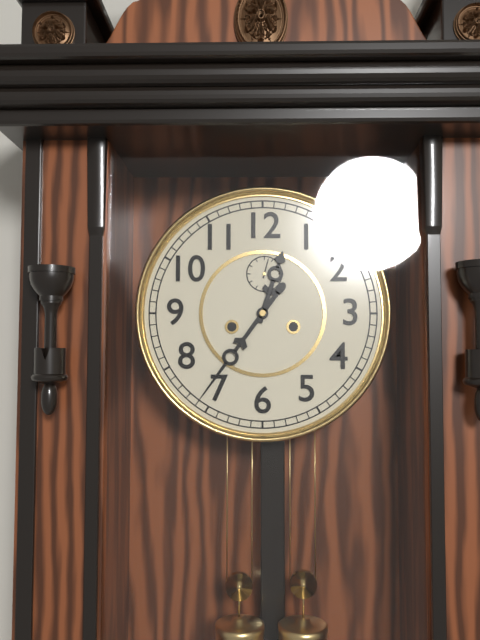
12:36
